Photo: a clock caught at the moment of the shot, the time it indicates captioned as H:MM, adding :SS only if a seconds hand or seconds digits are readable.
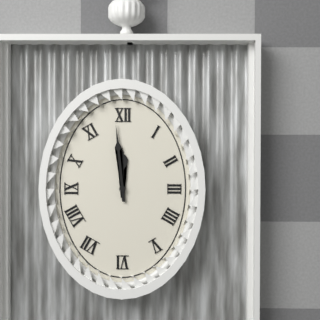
11:59
